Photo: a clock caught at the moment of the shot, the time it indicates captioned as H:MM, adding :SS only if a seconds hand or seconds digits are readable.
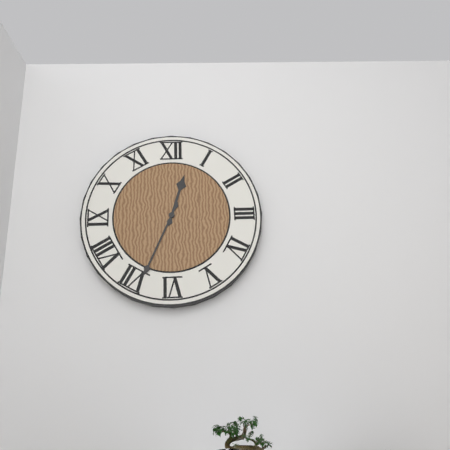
12:34
